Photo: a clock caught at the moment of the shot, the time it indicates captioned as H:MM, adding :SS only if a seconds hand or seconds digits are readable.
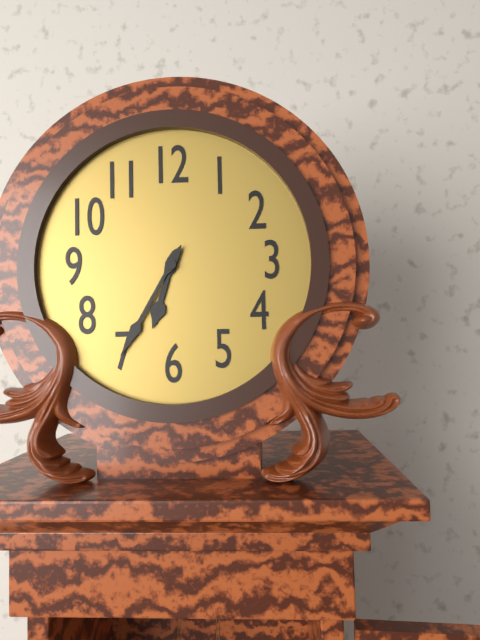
6:35
